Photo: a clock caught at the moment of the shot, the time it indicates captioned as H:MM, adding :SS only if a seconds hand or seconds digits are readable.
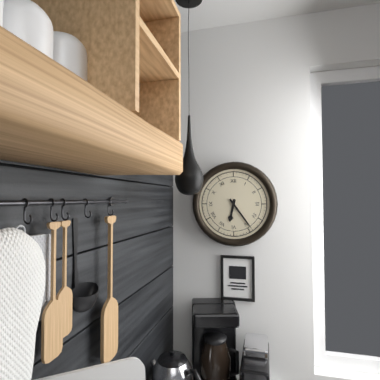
6:24
